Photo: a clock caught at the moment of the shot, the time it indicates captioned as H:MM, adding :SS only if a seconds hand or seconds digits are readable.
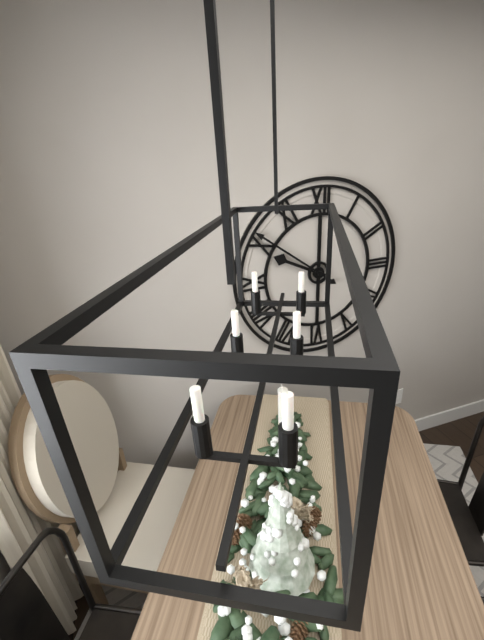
9:51
